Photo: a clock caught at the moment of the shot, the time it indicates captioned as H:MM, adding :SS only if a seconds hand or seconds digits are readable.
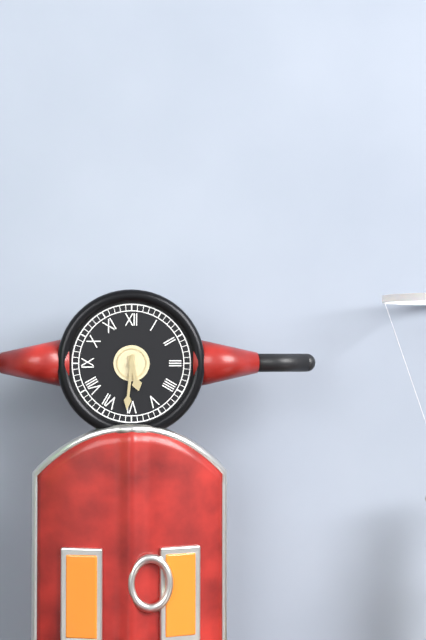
5:31
